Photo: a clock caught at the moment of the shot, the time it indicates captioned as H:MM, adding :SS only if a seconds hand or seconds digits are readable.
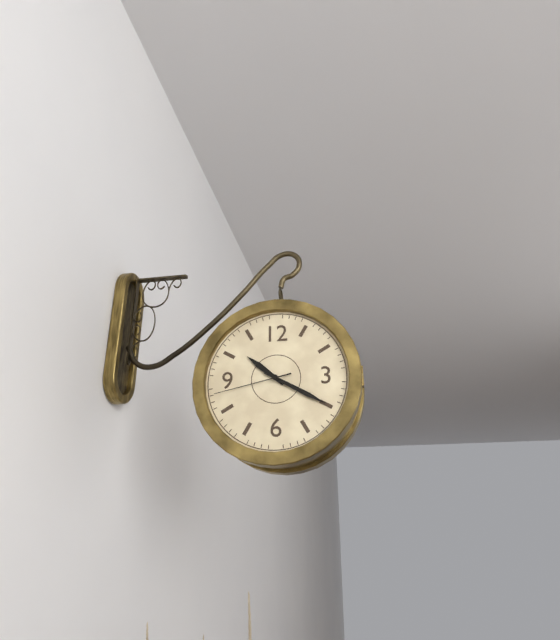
10:20:43
